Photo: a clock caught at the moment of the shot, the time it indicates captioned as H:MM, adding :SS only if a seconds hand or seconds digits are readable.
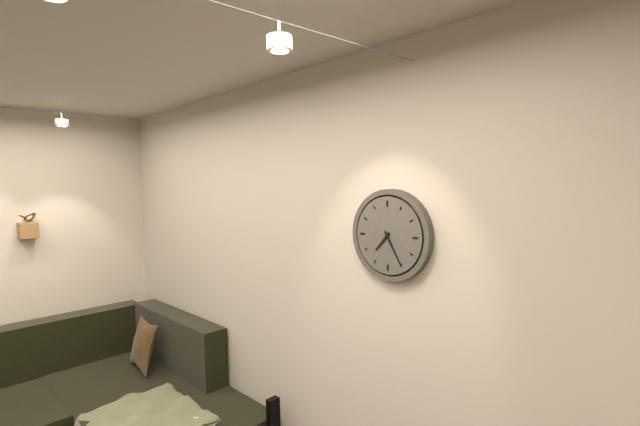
7:25
